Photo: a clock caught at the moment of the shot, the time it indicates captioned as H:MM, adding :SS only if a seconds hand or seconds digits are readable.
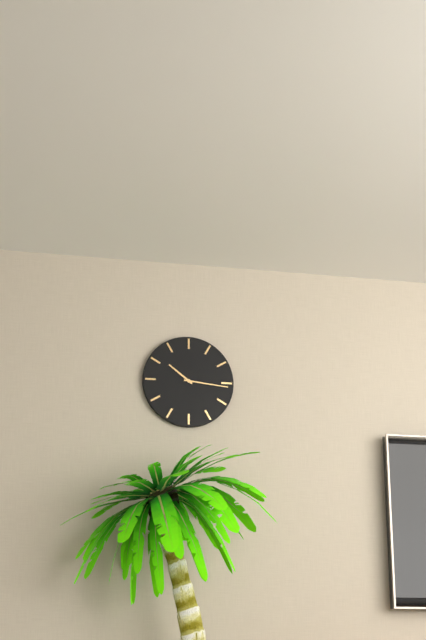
10:16
